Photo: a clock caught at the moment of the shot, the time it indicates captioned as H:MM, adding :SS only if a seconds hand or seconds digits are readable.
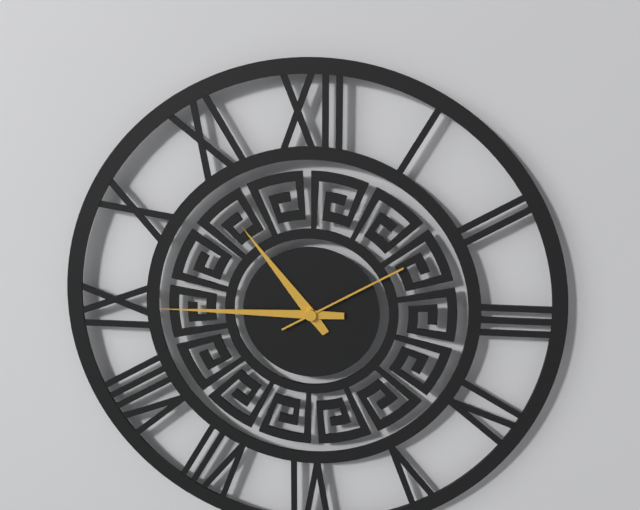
10:45:10
